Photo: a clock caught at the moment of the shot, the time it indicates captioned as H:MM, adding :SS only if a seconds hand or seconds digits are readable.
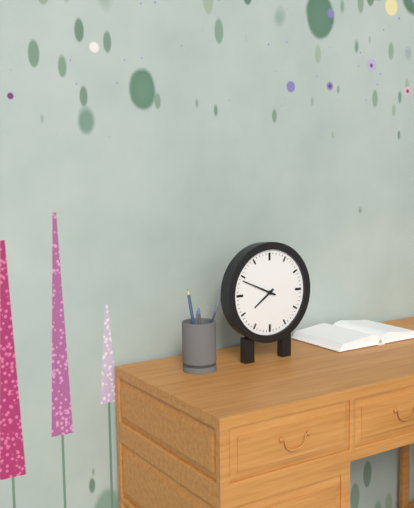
7:49
